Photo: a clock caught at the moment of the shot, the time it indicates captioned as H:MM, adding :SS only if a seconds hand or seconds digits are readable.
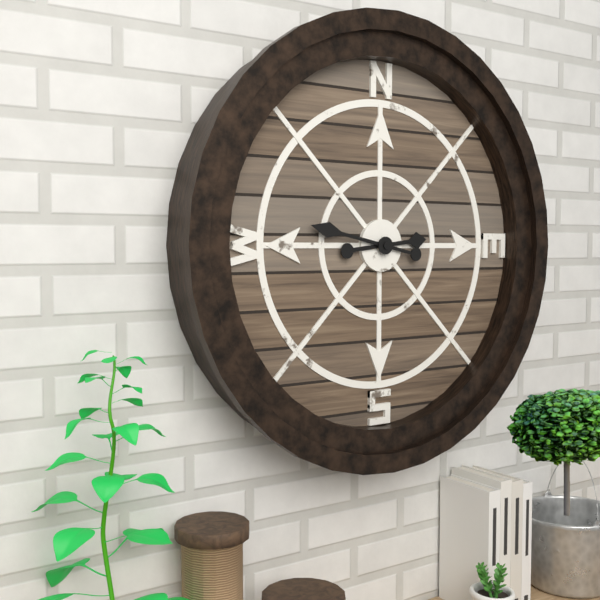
2:47
